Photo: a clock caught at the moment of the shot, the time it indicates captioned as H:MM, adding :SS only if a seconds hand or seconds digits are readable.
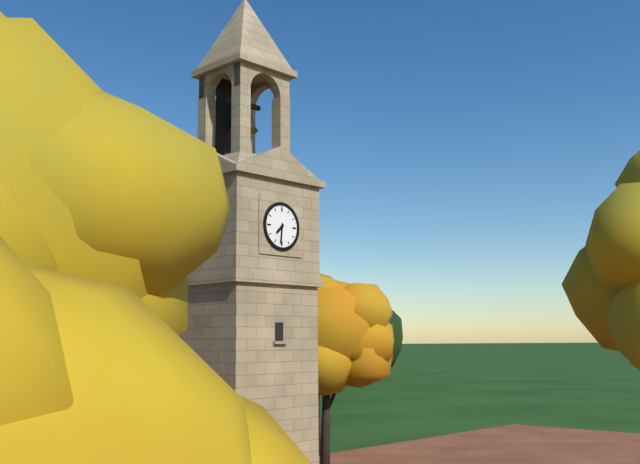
7:31
